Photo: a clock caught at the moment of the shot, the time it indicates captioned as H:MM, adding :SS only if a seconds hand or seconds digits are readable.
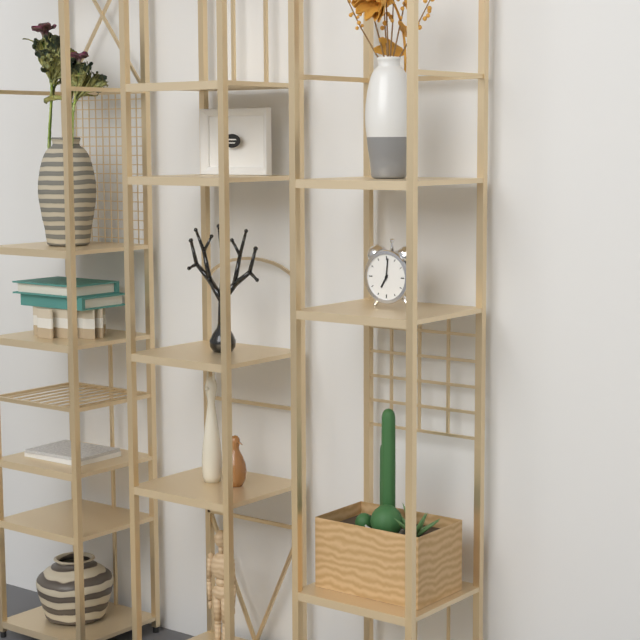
7:01
